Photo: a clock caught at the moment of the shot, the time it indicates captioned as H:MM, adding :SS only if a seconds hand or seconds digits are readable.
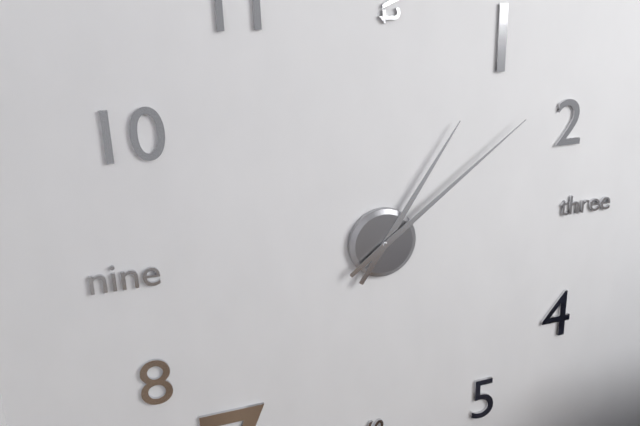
1:09
